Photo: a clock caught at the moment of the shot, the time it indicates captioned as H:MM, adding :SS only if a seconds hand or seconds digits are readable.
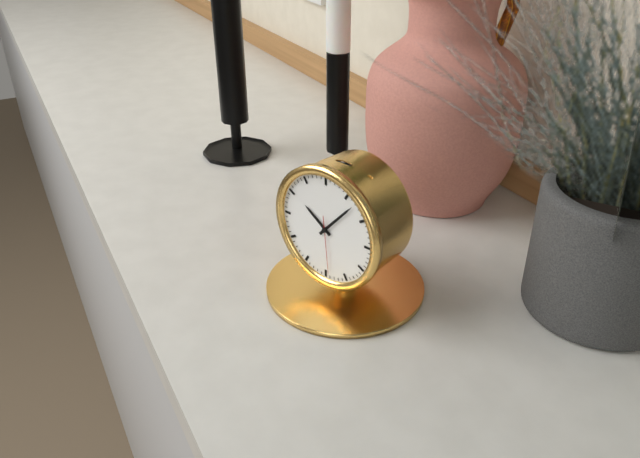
10:07:29
